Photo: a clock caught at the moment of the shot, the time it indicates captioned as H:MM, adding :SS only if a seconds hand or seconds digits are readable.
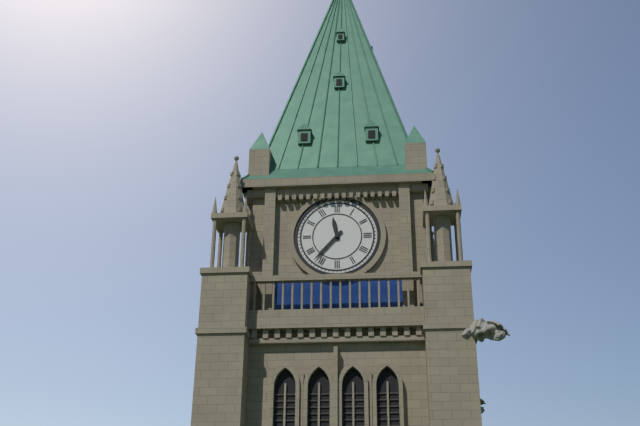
11:37
